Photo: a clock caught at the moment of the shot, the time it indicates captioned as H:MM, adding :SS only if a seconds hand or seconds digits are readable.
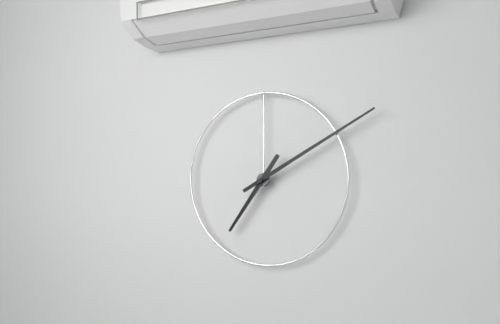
7:10
